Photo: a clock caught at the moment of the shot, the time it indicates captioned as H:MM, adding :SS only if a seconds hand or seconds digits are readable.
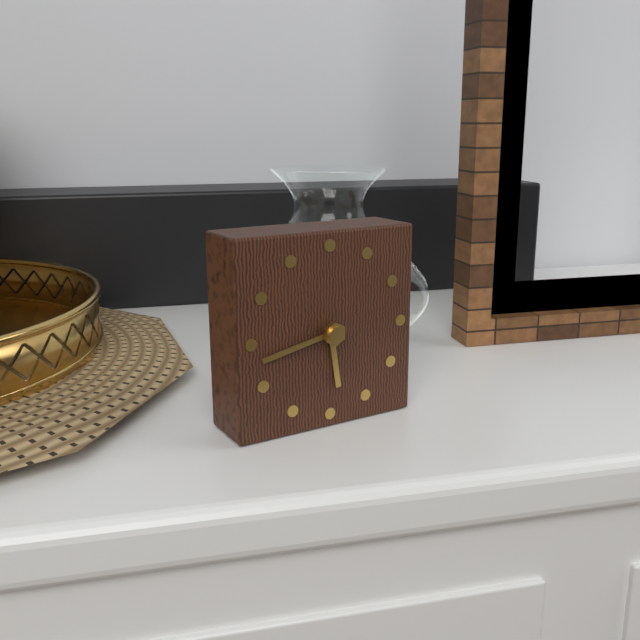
5:43
